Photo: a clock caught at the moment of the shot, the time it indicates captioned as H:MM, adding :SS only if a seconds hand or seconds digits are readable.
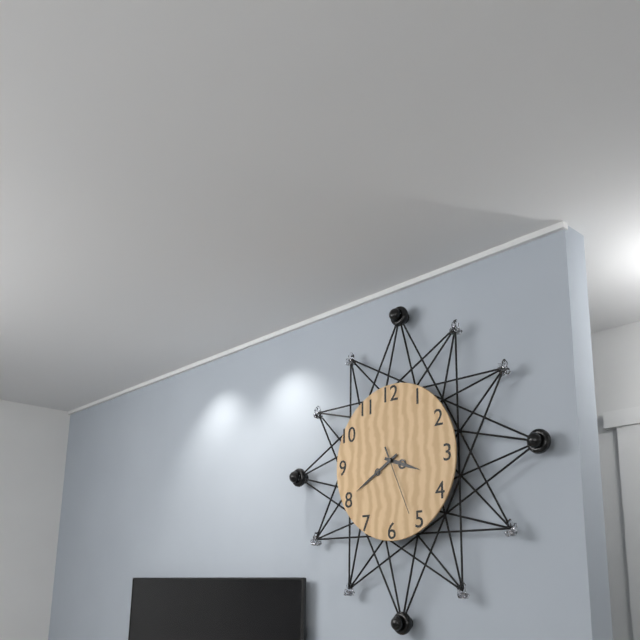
3:40:26
